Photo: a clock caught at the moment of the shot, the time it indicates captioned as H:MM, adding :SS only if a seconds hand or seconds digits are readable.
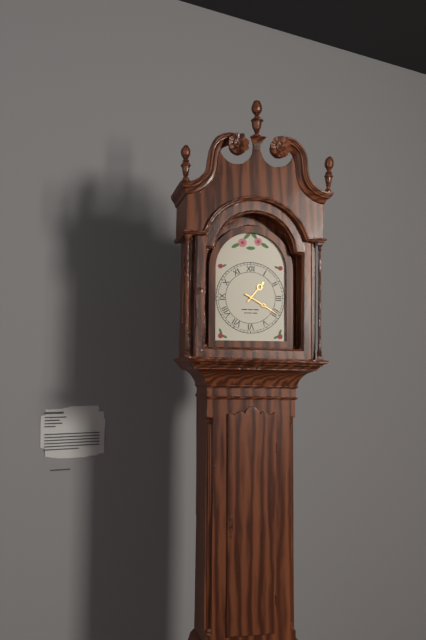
1:20
